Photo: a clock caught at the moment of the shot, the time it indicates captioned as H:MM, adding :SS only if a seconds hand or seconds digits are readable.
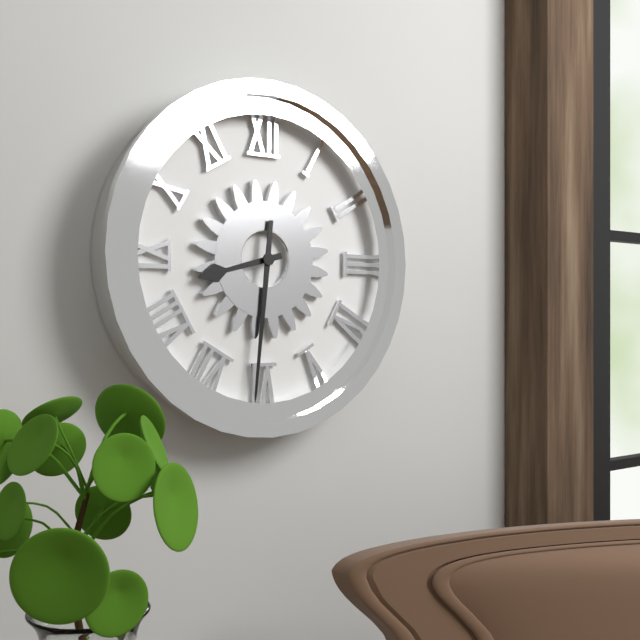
8:31
